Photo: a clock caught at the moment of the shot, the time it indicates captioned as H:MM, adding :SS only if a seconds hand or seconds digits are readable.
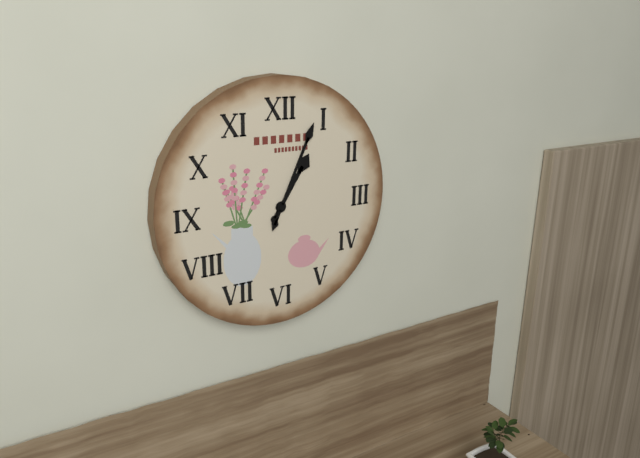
1:04
